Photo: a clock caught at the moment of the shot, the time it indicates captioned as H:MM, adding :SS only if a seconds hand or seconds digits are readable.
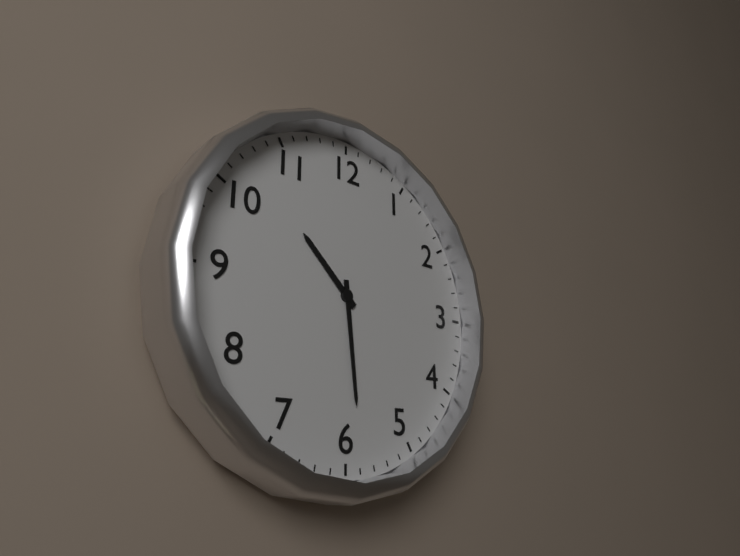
10:29
